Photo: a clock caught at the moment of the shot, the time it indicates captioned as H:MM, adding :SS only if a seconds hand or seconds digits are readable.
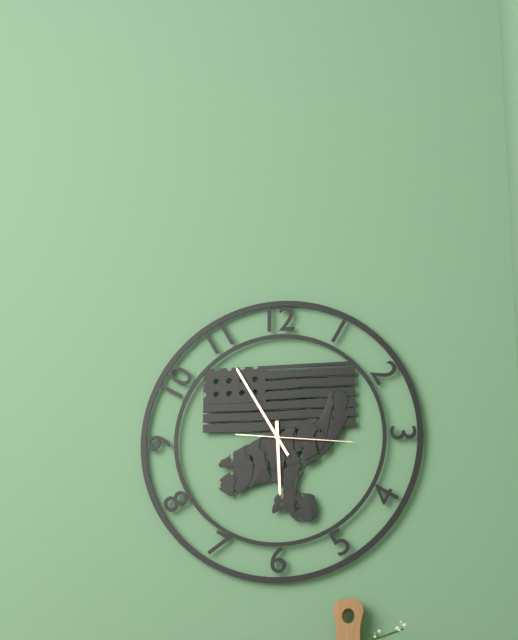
5:55:16
